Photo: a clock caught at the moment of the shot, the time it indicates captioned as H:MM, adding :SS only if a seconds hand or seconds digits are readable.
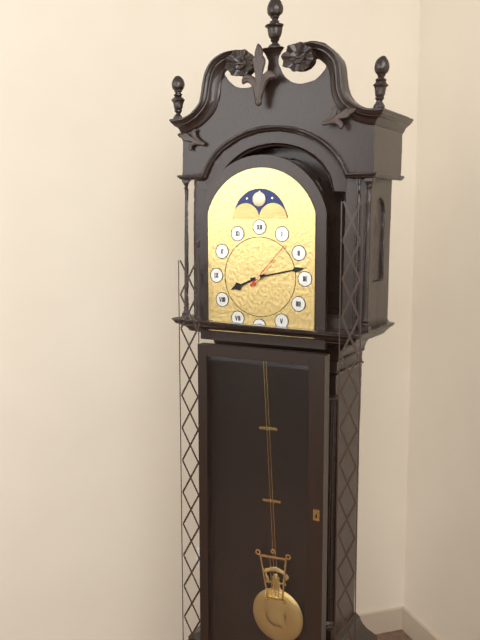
8:13:07
